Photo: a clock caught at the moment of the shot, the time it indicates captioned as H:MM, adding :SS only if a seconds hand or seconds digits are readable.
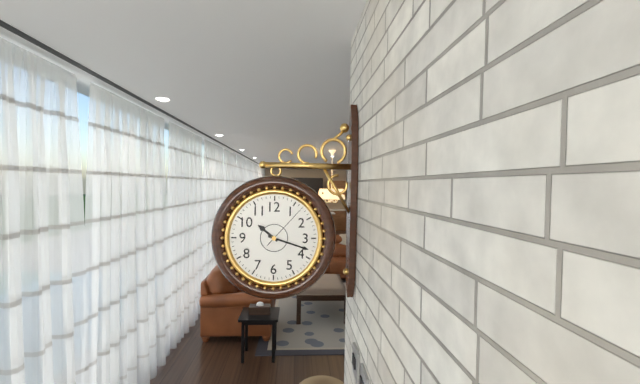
10:18
